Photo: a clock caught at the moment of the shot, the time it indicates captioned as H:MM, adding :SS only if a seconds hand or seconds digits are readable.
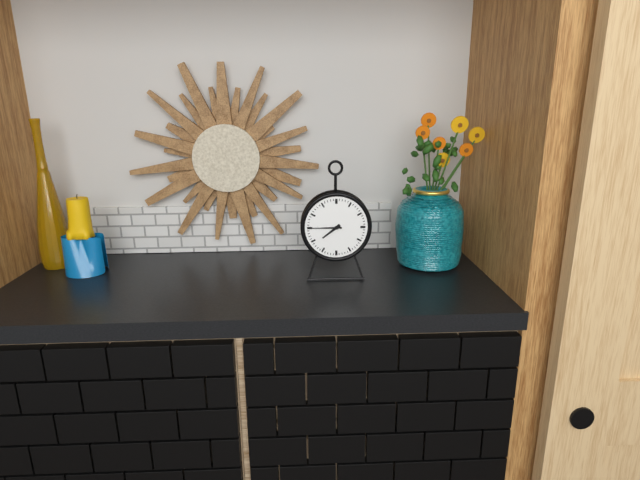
7:45
